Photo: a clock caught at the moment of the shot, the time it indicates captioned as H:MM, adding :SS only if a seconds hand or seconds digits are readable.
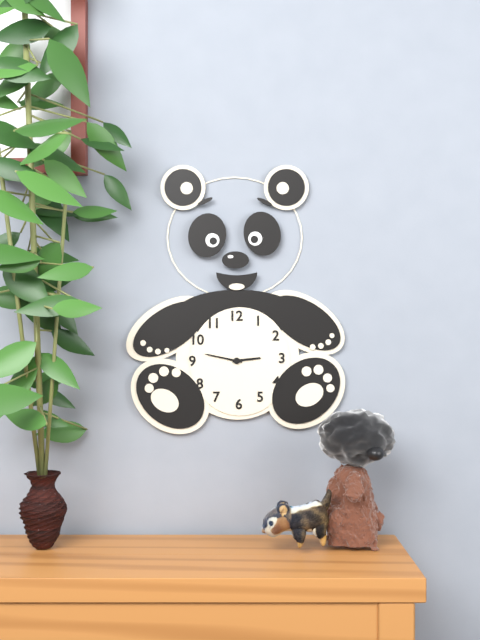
2:47
